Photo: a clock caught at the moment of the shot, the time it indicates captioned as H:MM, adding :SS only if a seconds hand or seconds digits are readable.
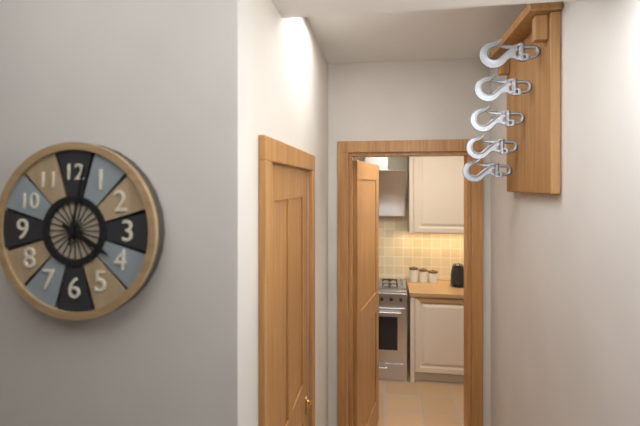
4:02
